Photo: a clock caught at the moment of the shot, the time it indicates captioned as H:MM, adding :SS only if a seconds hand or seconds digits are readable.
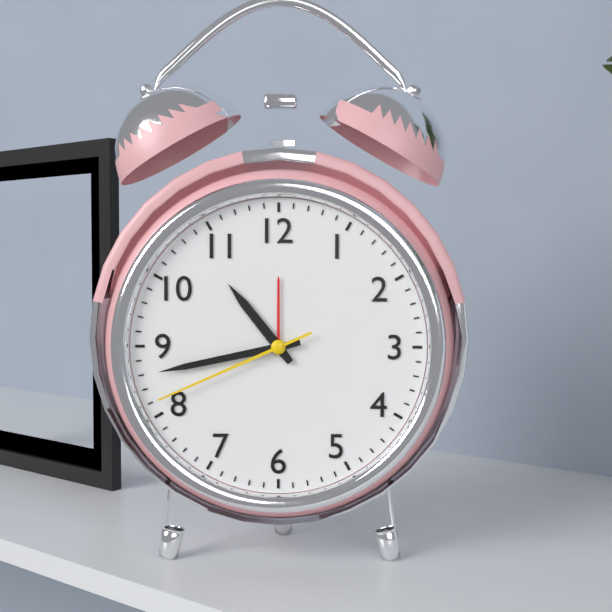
10:43:41
